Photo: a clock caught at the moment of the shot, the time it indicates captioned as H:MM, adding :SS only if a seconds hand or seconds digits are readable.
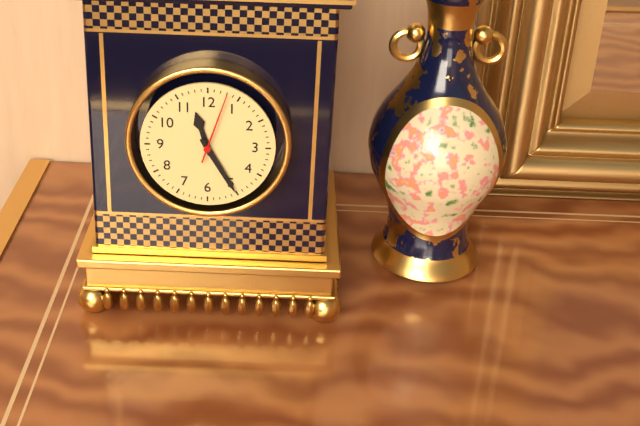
11:25:03
